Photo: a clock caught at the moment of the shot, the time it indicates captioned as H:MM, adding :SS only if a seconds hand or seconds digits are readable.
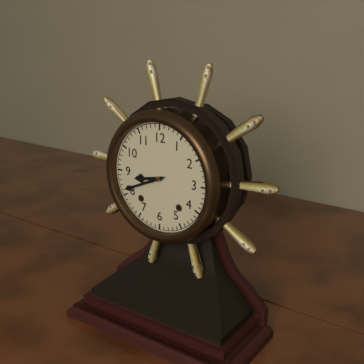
8:41
